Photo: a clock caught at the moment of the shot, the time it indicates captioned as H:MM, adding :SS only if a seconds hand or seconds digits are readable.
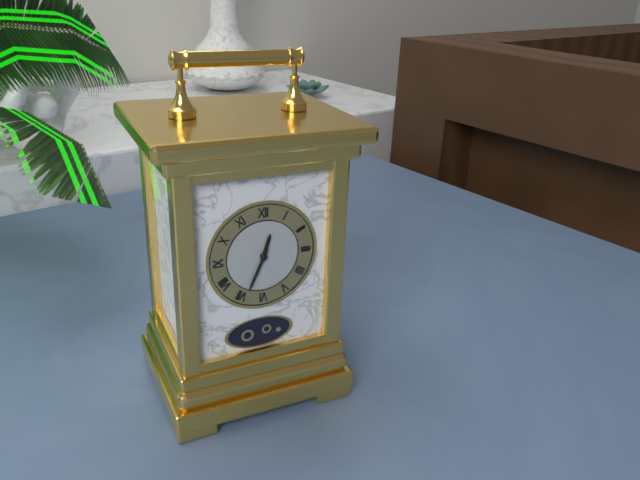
12:34
